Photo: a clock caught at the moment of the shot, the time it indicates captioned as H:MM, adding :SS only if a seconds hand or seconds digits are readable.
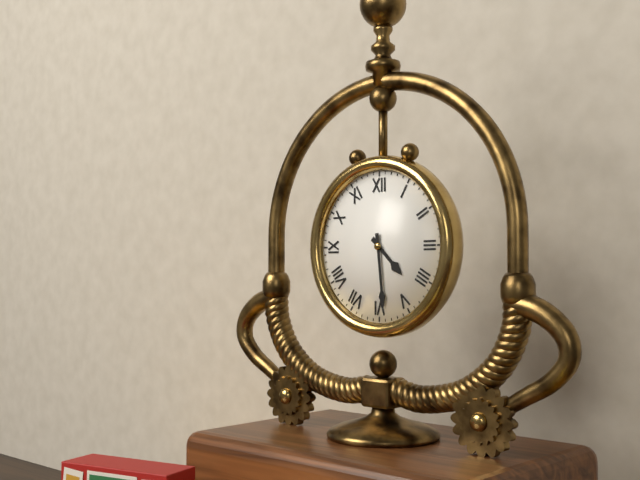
4:29
